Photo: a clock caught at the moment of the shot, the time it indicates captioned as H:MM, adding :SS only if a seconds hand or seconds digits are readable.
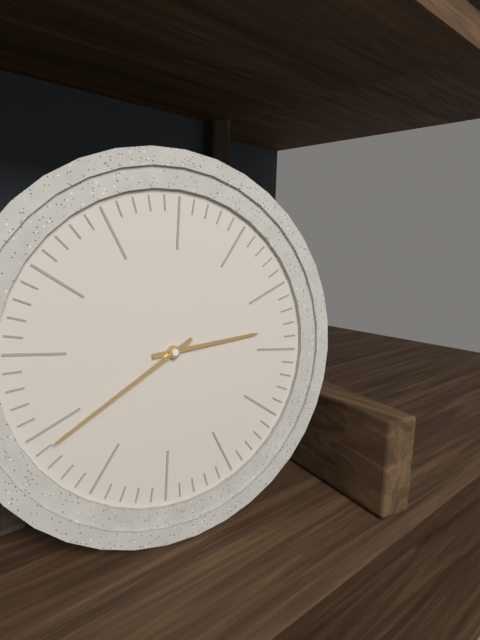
2:39
